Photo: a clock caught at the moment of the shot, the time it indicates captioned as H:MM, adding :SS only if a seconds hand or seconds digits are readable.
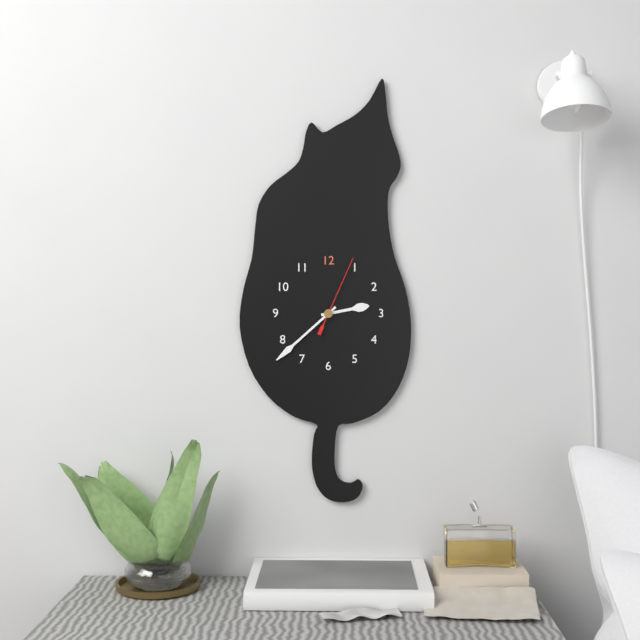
2:38:04
